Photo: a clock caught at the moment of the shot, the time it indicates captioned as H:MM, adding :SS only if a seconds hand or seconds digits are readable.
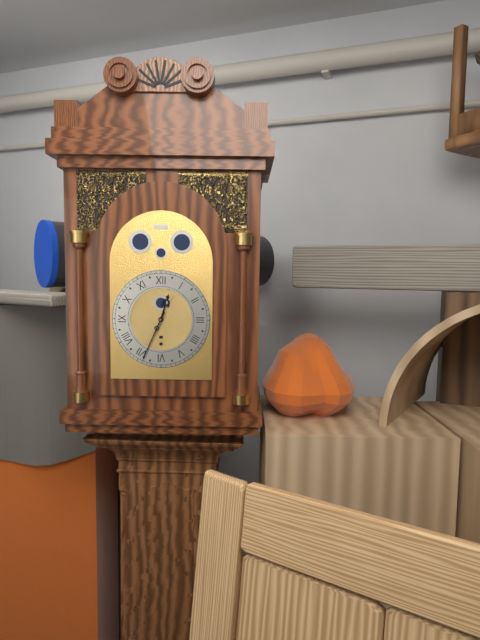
12:34
